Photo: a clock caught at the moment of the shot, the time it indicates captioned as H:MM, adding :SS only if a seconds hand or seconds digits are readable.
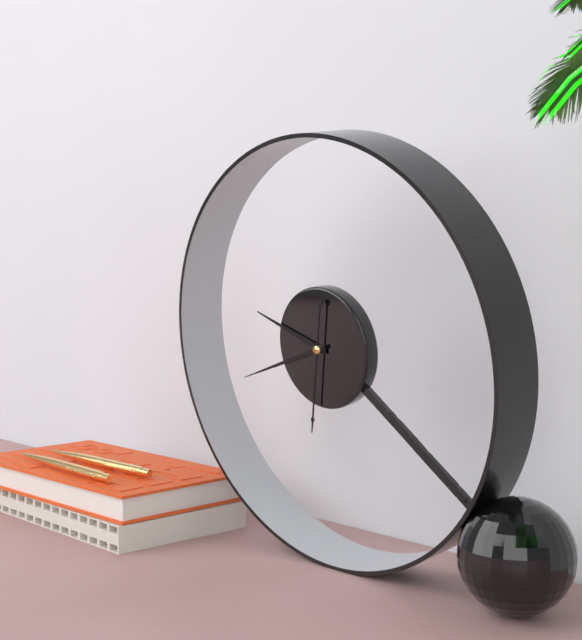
9:42:32
